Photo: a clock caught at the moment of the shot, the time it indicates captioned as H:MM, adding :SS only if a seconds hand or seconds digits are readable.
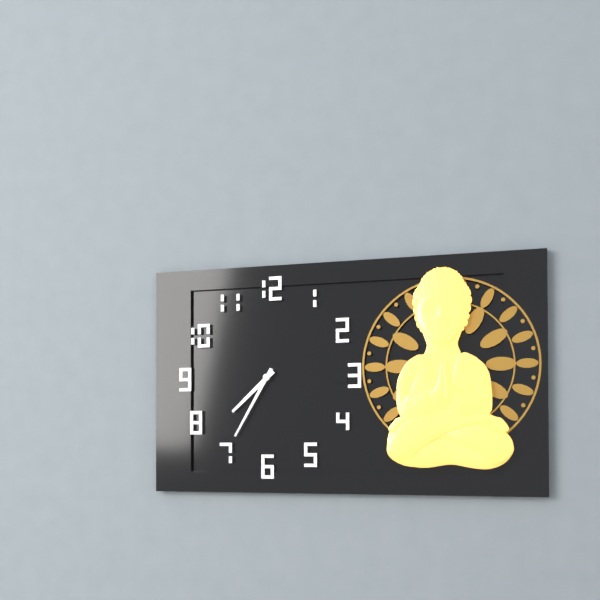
7:35
